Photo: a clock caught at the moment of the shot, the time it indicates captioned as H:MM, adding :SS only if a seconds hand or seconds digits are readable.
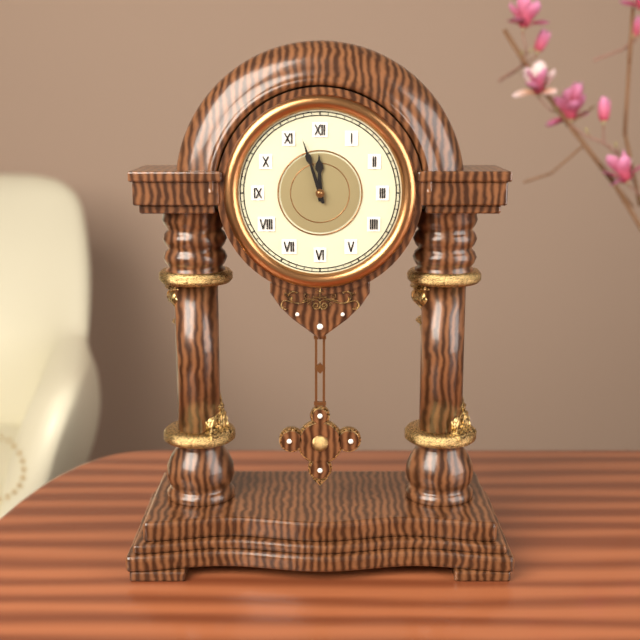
11:57
